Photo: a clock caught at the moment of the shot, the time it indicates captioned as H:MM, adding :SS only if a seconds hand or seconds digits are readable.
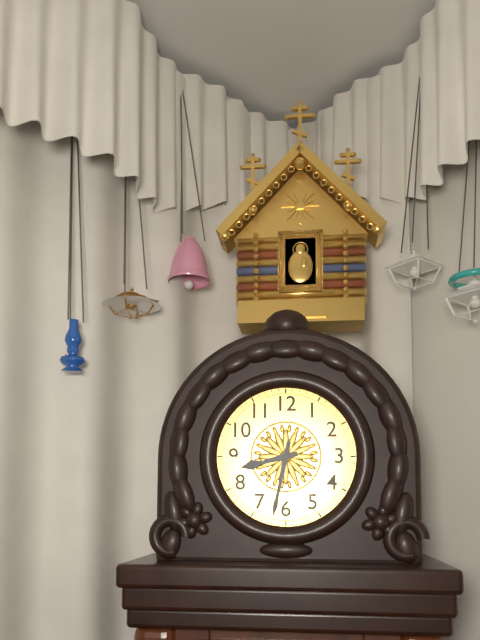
8:32
